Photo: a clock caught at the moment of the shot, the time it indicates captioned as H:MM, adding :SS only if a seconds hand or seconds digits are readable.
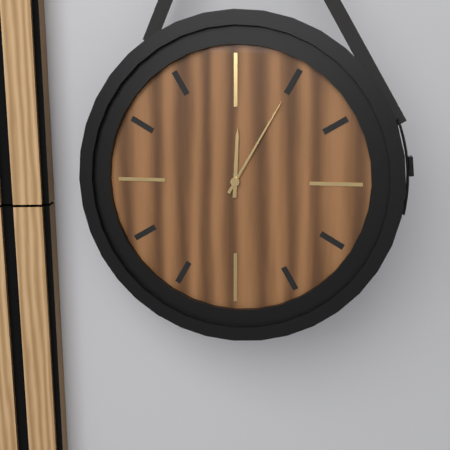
12:05
